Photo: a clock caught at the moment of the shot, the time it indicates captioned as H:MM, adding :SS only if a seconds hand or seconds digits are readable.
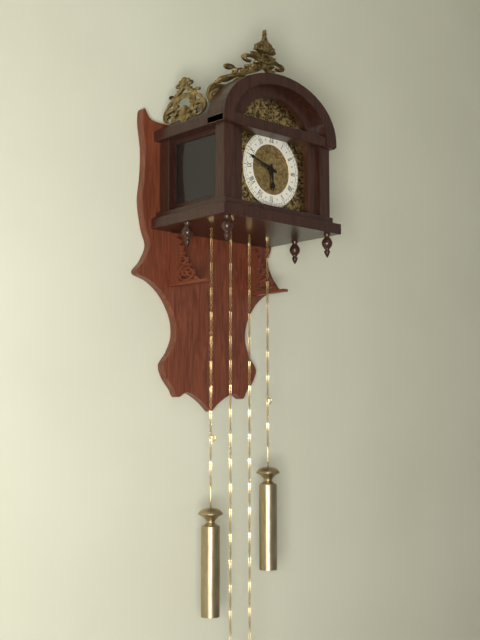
5:48
